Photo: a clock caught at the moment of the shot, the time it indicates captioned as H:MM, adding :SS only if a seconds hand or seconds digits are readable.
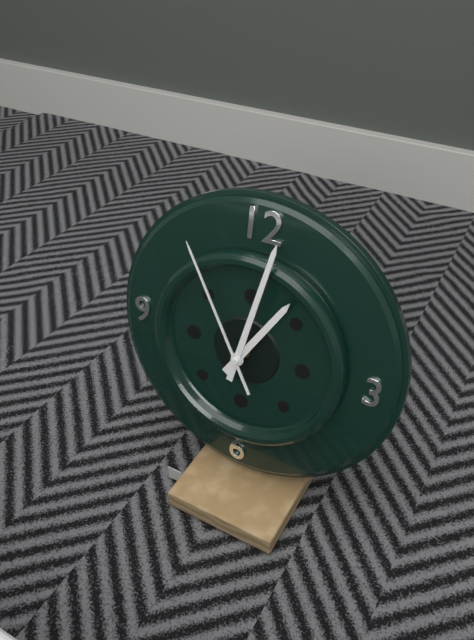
1:02:55
